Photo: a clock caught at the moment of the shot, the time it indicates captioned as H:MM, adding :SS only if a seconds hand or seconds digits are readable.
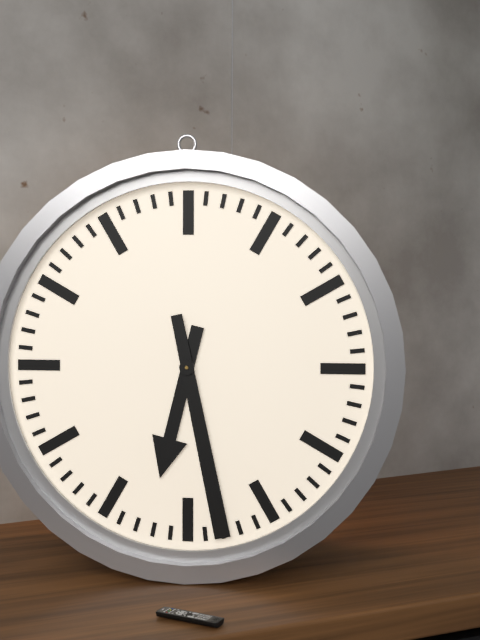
6:28
